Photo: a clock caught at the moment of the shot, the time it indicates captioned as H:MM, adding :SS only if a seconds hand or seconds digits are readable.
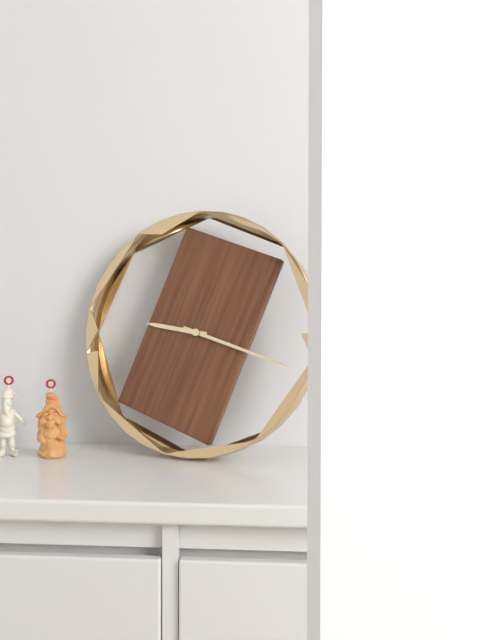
9:18
